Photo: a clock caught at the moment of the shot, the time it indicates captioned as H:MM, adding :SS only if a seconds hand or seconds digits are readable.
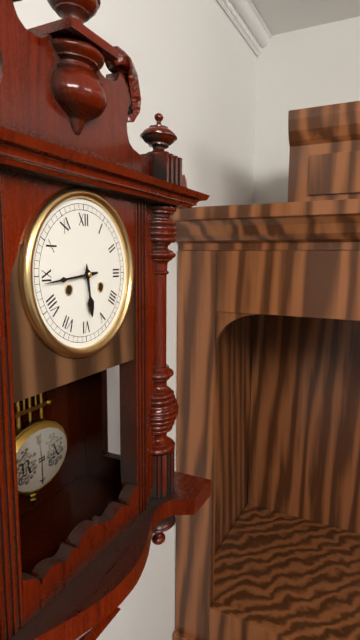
5:44
